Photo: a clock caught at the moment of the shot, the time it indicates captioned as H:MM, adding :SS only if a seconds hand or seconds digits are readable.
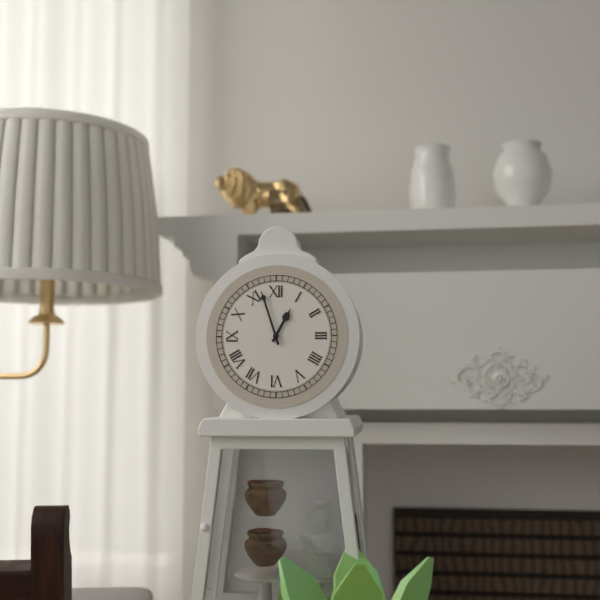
12:57
